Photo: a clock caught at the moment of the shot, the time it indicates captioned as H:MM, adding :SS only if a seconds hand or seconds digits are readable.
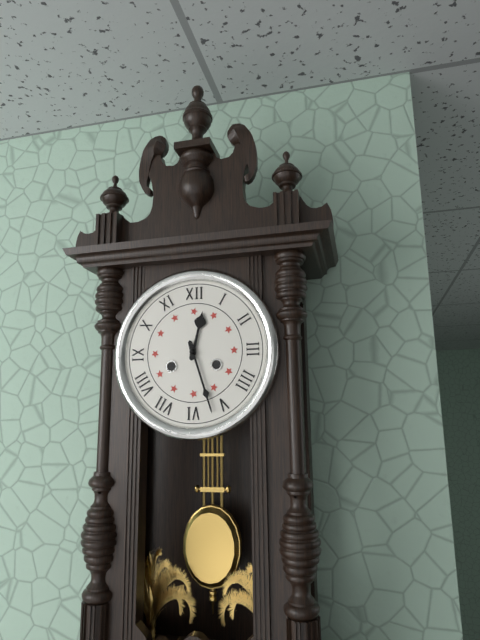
12:27
